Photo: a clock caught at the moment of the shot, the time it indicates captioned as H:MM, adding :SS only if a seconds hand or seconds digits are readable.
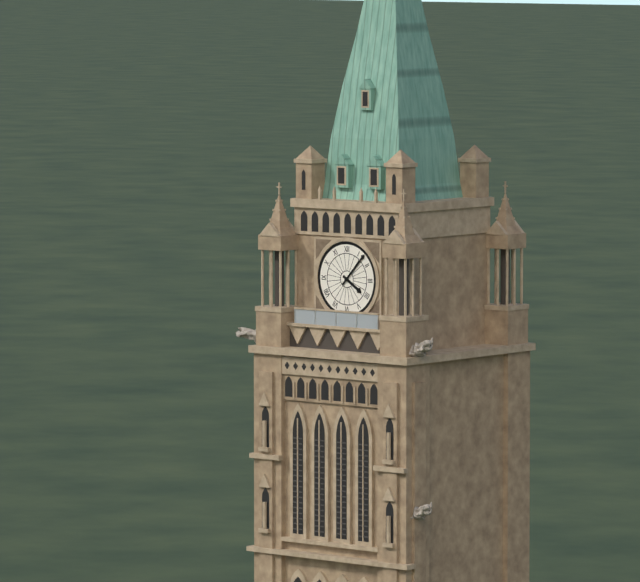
4:07
